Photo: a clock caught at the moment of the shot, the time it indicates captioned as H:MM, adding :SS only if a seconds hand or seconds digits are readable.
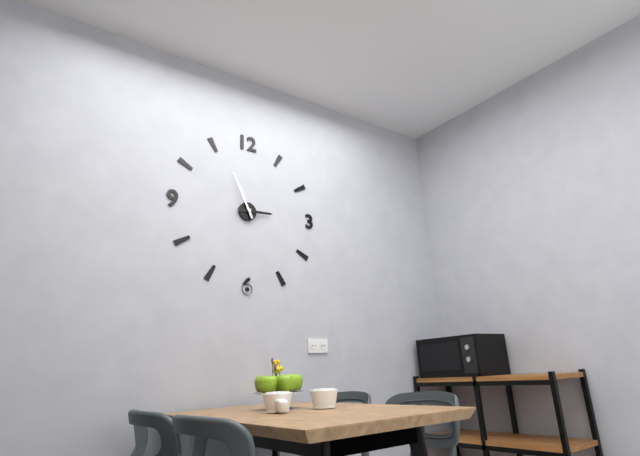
2:56
